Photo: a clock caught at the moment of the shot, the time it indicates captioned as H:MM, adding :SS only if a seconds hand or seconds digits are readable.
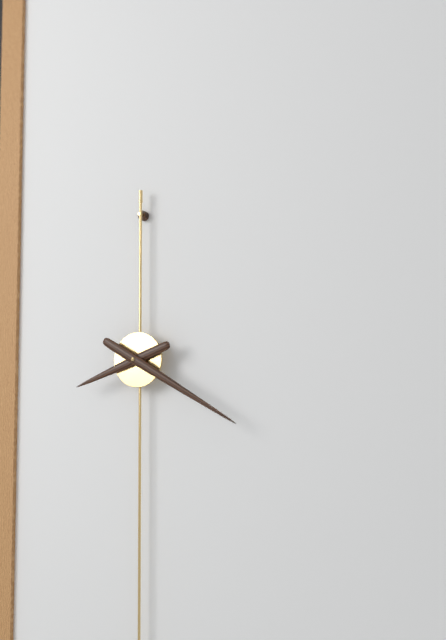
8:20
